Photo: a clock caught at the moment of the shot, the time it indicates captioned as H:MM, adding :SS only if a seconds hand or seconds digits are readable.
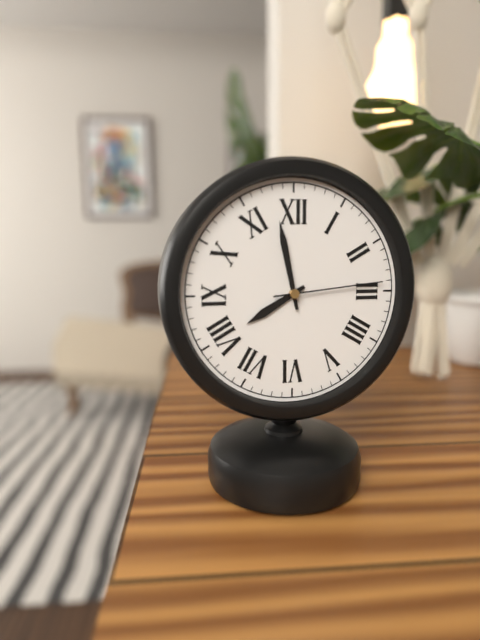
7:58:14
